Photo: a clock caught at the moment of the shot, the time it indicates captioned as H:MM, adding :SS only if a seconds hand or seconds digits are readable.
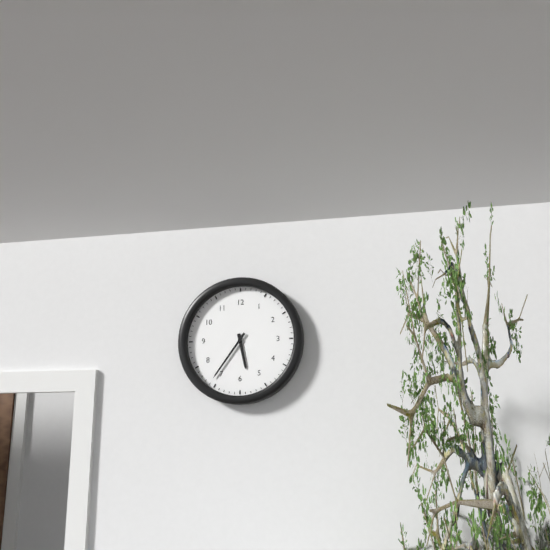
5:36
